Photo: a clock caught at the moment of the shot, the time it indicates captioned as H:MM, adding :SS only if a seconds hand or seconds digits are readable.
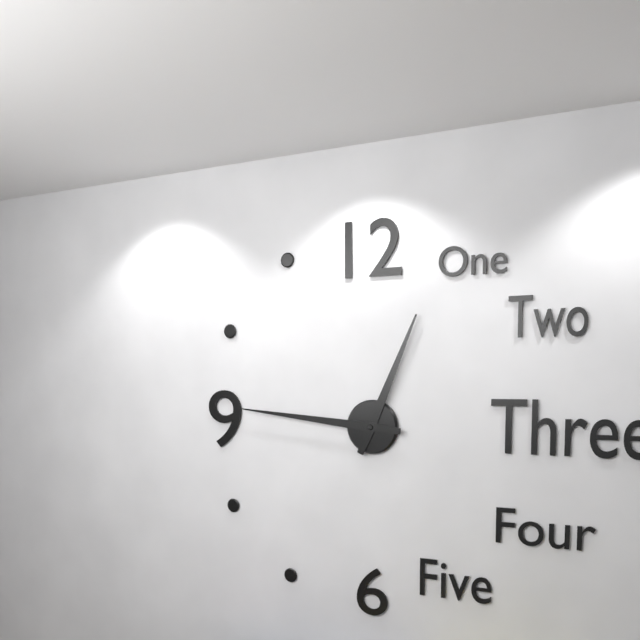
12:46
